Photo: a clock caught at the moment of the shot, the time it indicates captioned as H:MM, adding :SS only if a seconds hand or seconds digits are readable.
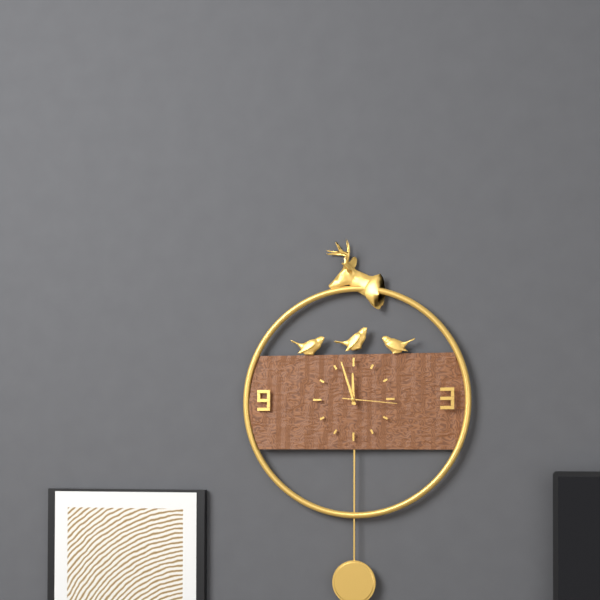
11:57:16
